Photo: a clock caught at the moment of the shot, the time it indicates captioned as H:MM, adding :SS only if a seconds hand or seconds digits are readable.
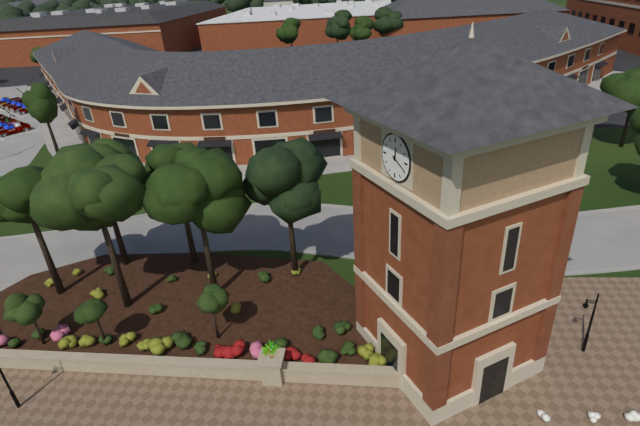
12:19
